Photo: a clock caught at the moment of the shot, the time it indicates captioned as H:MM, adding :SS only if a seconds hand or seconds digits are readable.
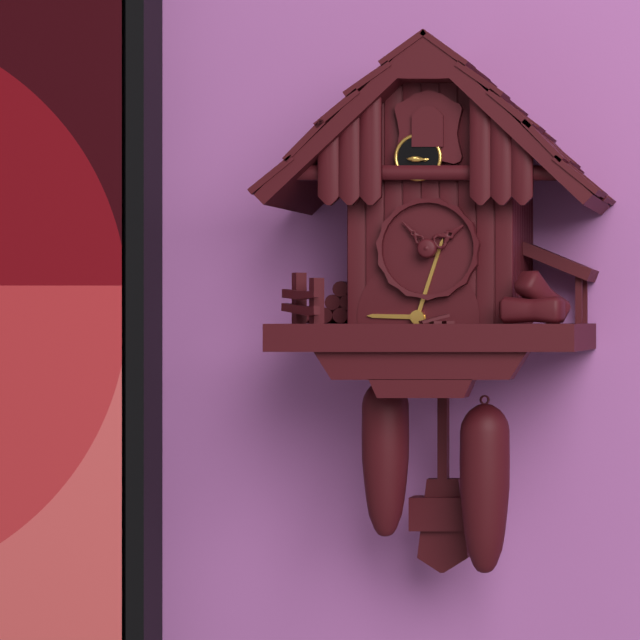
9:03
